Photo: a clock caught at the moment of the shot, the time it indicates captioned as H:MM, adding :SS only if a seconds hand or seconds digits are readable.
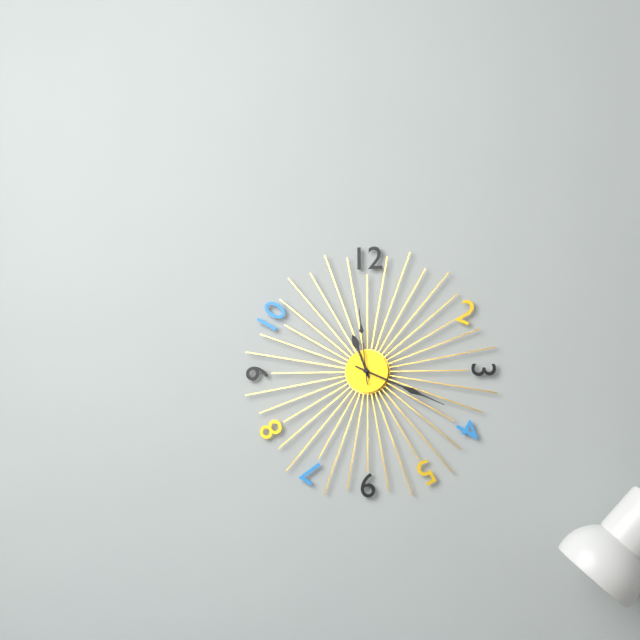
11:19:59
